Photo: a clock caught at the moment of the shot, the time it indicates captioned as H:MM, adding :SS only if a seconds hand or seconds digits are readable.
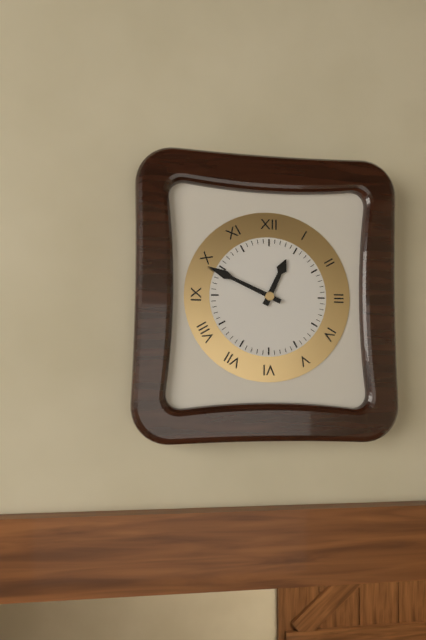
12:49
